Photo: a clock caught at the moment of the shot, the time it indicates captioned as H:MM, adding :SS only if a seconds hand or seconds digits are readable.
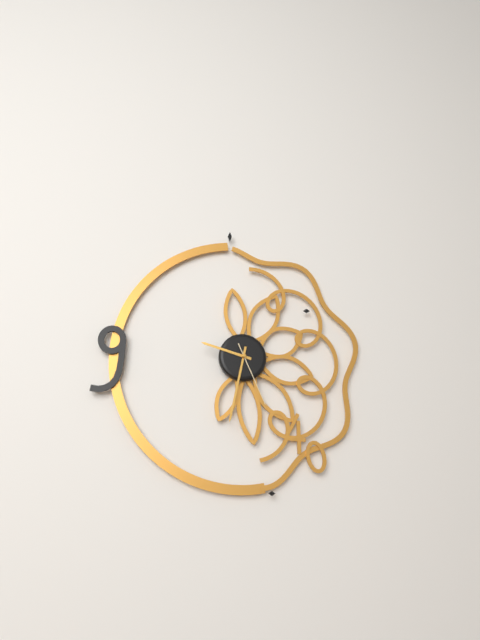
9:32:26
